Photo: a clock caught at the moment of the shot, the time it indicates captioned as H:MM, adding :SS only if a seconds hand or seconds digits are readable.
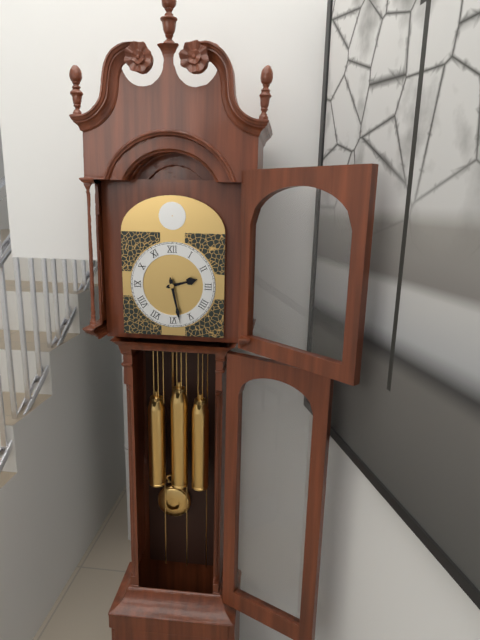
2:28
